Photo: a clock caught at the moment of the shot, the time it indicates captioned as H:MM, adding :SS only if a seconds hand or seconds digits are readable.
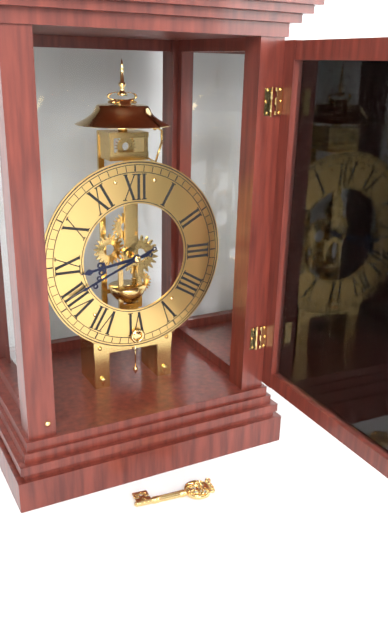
8:41
